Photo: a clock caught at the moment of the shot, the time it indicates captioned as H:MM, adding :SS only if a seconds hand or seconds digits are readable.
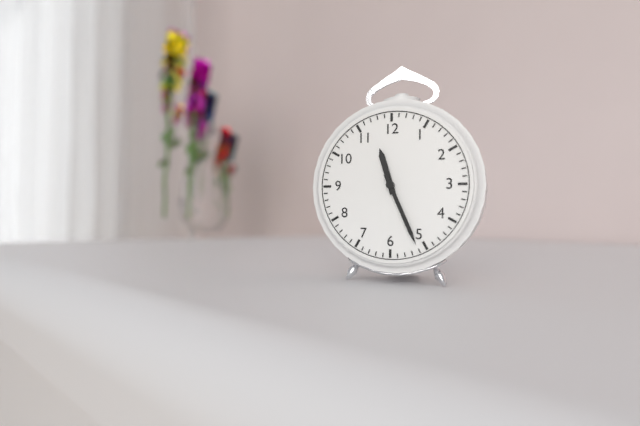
11:26
